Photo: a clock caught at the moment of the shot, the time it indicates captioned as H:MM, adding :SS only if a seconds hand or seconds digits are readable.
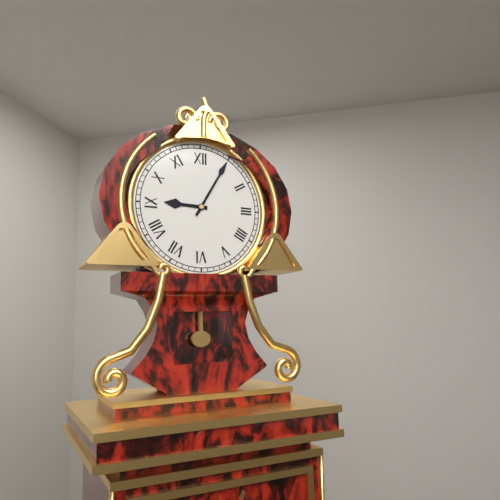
9:05
